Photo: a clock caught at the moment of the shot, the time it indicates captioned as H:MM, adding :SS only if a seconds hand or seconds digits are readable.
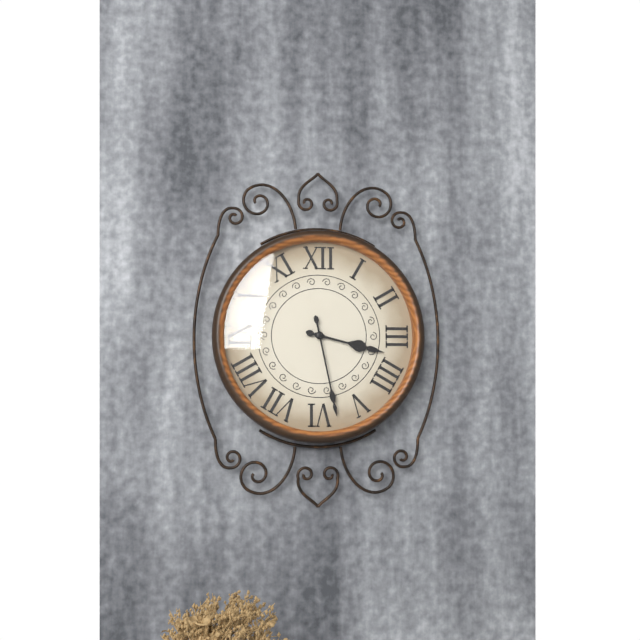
3:28
